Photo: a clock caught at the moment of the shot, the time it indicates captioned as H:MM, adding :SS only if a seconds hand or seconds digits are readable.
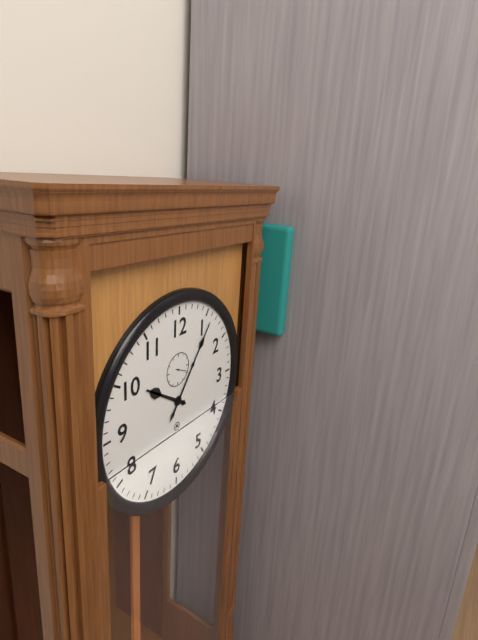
10:06
